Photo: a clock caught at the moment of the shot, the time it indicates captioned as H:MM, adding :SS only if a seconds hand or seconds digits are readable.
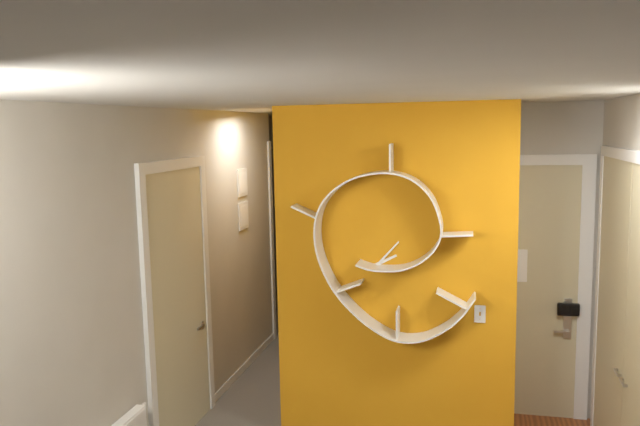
2:07
